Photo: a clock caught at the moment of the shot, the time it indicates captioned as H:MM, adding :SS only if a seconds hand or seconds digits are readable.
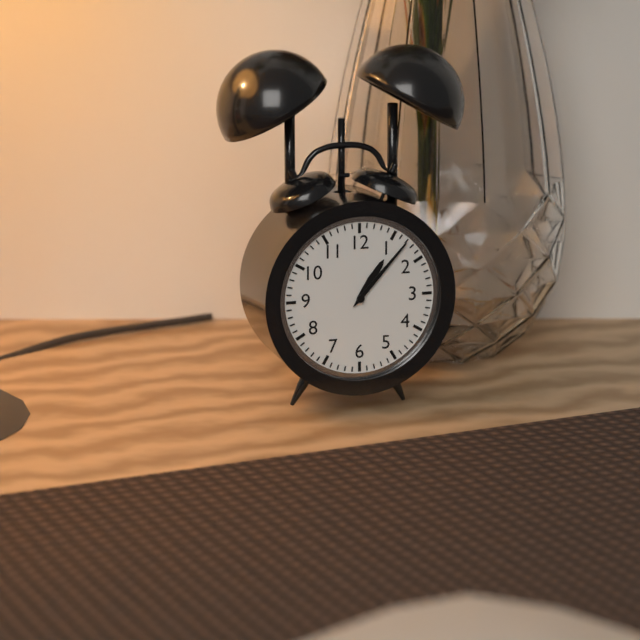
1:07
